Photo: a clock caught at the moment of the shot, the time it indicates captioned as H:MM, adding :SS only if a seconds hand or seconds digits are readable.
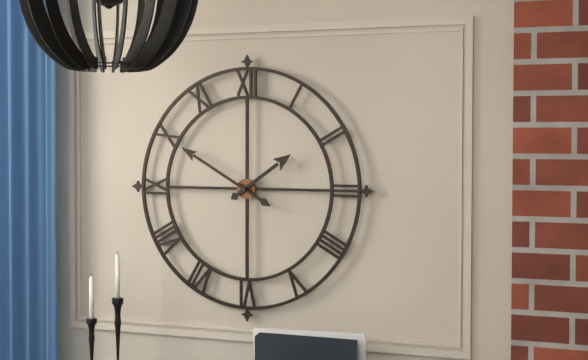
1:50
